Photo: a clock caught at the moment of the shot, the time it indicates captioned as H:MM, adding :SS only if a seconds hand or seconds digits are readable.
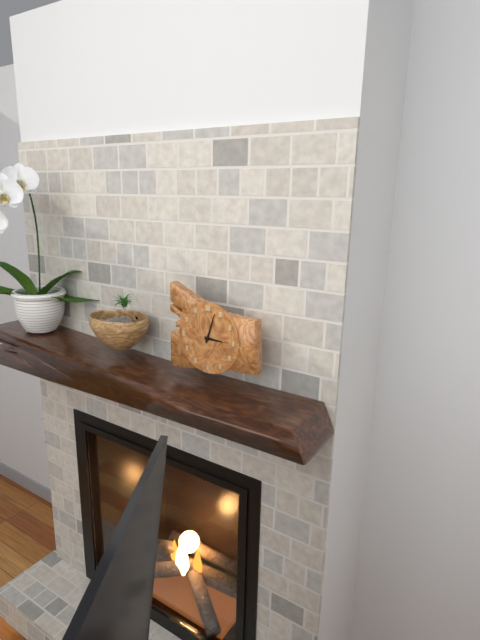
3:03
